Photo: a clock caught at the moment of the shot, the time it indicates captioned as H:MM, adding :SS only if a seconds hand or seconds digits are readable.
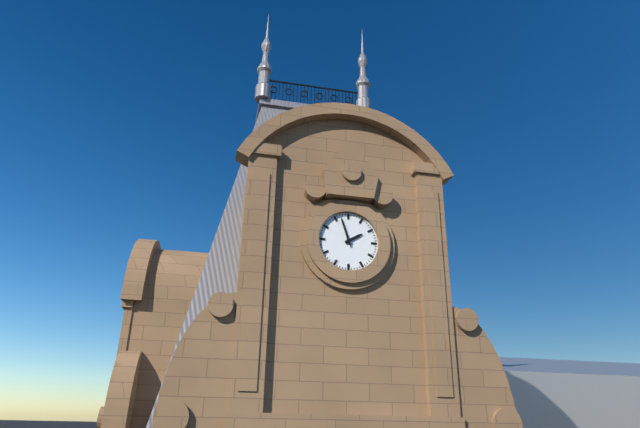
1:57
